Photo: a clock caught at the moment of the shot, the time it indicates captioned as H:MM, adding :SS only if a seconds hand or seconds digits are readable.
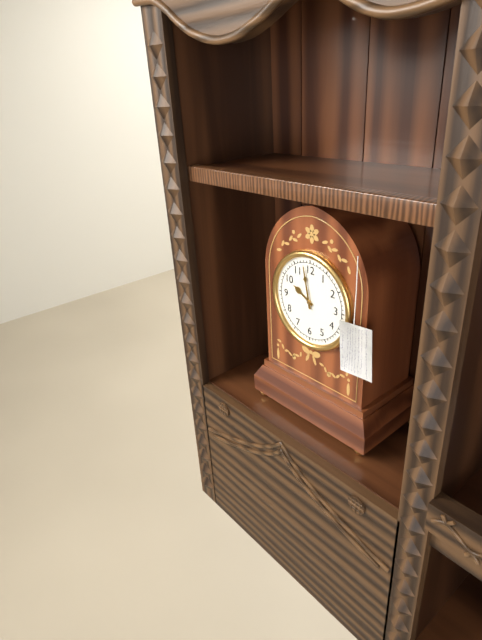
9:58
